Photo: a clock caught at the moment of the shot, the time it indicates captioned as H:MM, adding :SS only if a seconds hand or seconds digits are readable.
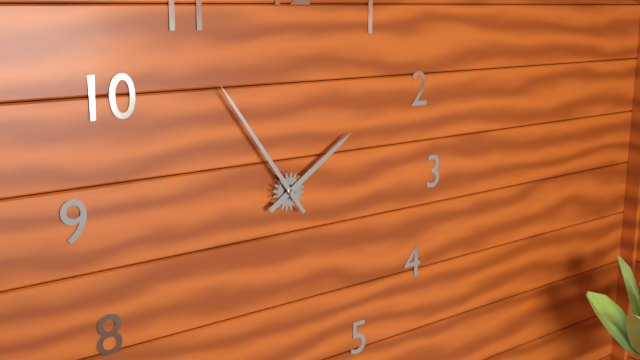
1:54
